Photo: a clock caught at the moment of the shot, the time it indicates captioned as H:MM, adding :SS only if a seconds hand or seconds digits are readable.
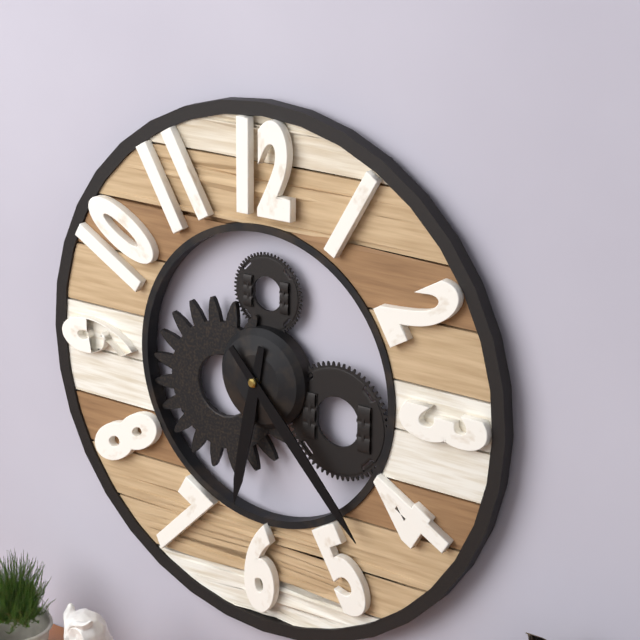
6:23
